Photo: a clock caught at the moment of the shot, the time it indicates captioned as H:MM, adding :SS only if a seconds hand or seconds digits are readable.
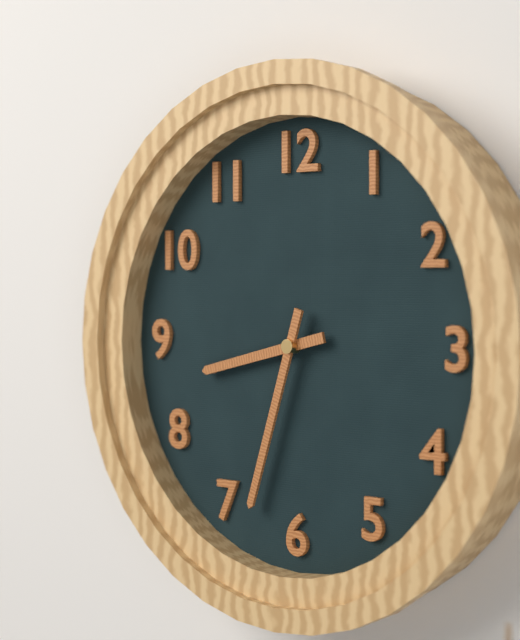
8:33
